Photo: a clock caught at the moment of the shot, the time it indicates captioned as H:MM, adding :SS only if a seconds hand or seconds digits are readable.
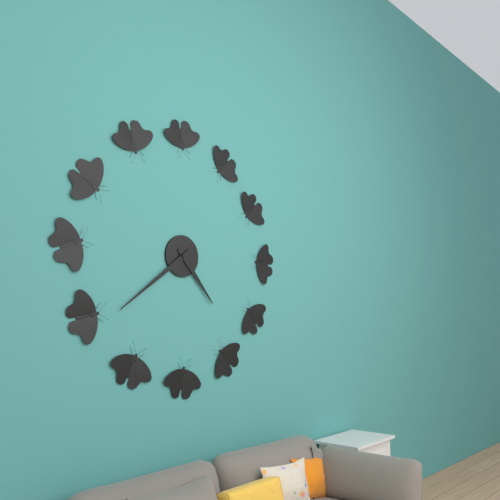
4:39
